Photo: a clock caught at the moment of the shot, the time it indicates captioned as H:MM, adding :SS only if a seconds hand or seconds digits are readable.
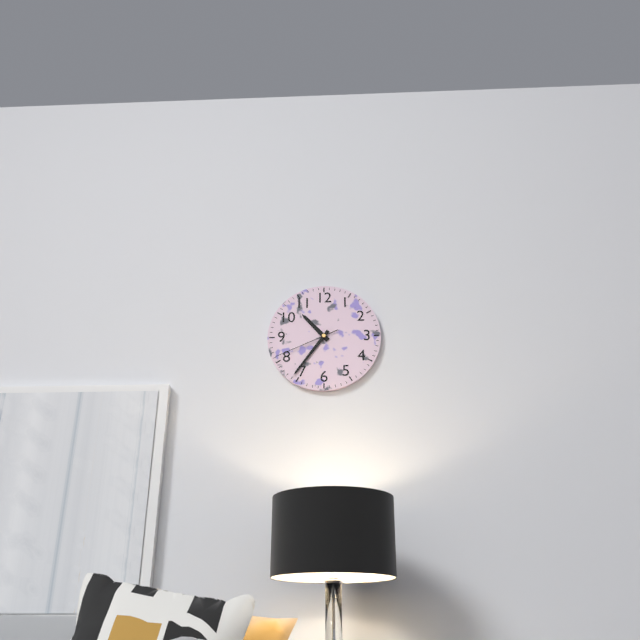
10:36:41
